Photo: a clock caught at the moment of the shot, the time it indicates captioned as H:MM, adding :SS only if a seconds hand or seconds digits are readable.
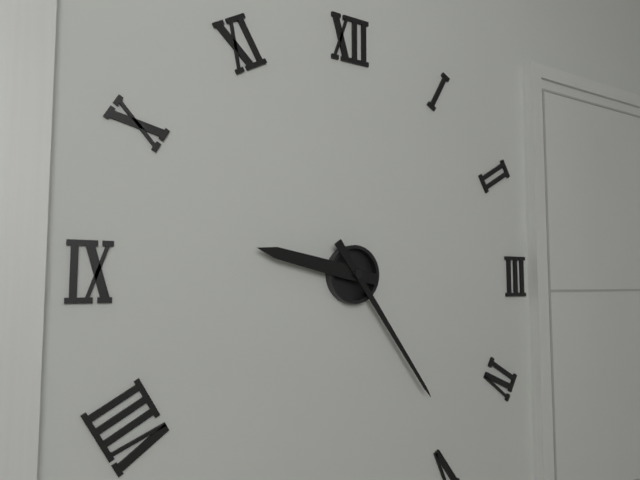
9:24
